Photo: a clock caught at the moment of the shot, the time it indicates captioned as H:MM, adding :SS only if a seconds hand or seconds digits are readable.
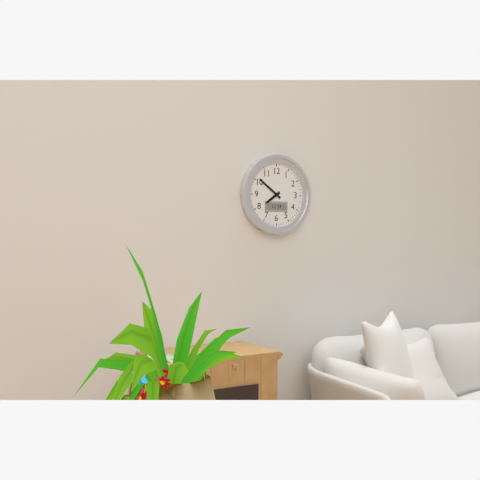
7:51
